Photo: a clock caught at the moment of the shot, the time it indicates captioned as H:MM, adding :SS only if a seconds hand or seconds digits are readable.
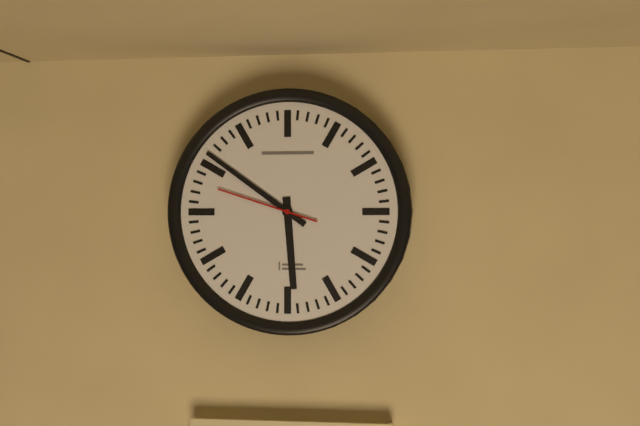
5:51:48
